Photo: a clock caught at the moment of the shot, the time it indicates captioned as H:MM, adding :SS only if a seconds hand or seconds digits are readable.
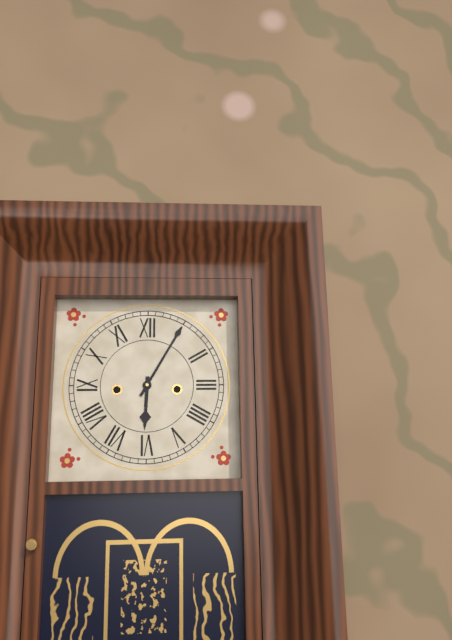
6:05
